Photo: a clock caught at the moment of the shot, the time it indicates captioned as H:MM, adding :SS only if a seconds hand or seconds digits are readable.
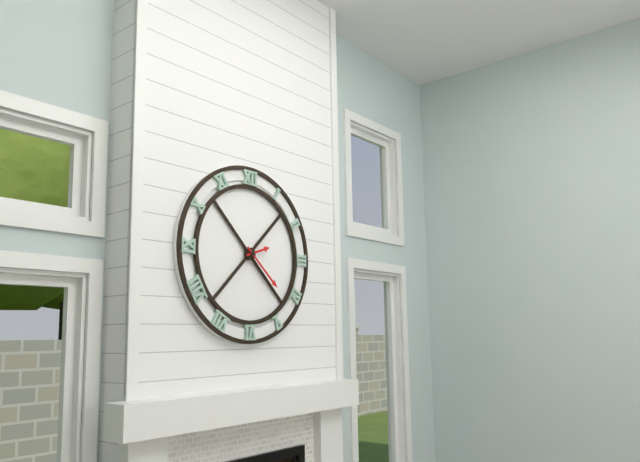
2:22
